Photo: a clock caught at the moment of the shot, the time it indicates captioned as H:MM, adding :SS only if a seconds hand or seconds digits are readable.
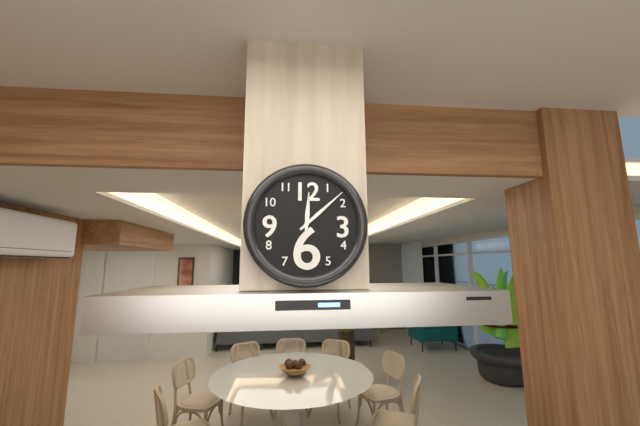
12:08
